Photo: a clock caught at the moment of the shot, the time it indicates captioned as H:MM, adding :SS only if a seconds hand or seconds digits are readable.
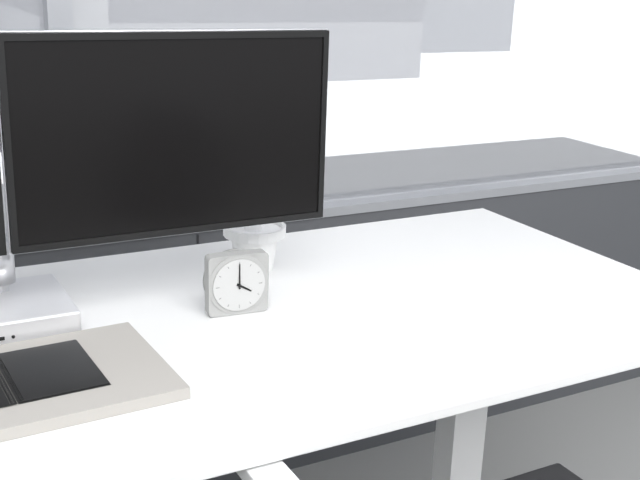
4:00
